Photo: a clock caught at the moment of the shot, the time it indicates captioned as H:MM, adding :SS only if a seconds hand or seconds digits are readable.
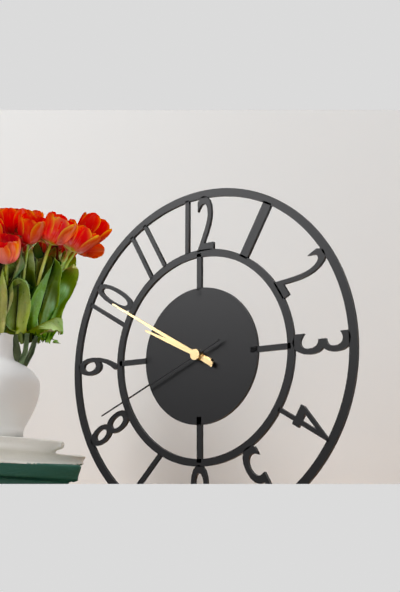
9:50:41
